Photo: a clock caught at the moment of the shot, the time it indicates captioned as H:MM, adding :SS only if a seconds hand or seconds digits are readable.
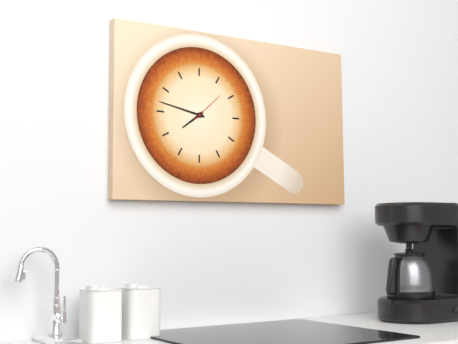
7:47
